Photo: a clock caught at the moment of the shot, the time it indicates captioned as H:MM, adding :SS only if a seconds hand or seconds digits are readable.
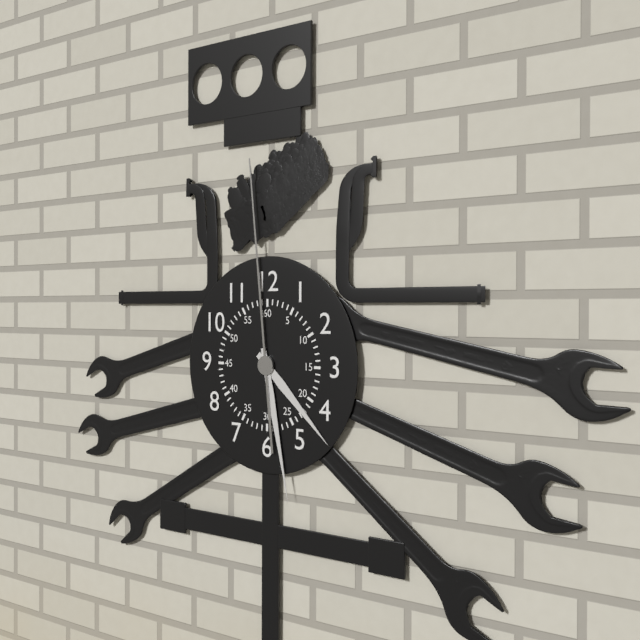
4:28:59
